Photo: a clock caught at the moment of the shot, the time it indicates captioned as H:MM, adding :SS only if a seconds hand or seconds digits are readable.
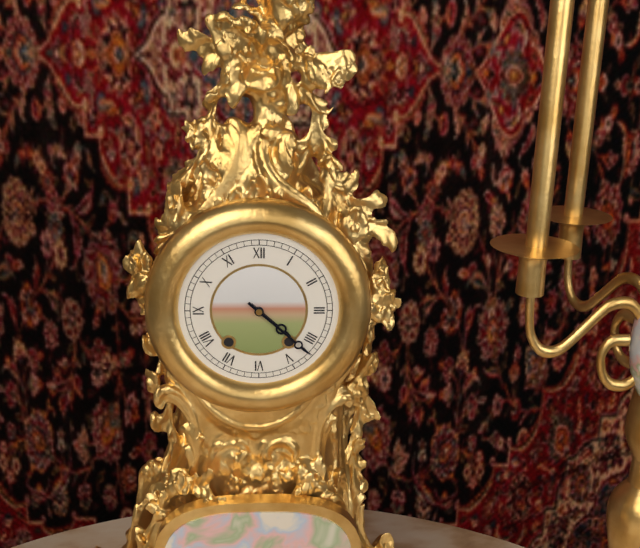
4:22
